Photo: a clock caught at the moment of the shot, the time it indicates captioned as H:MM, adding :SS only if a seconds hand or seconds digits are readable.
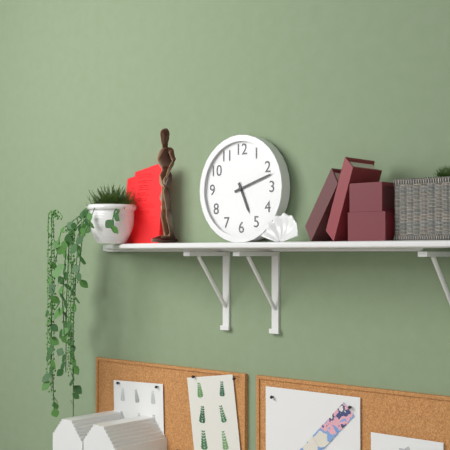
5:12
